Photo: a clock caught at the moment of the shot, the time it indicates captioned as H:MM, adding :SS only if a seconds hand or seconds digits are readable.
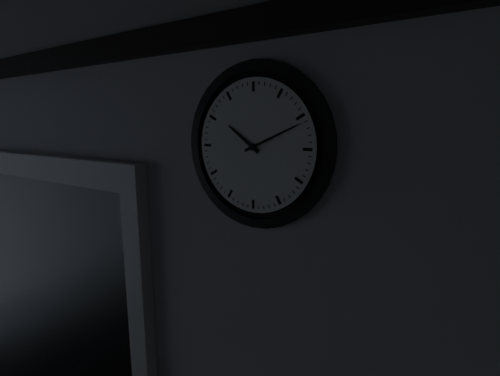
10:11
